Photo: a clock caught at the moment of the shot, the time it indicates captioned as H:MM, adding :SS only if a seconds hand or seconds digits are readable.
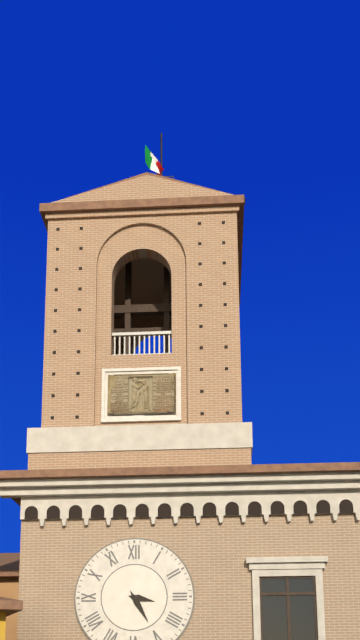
3:25
